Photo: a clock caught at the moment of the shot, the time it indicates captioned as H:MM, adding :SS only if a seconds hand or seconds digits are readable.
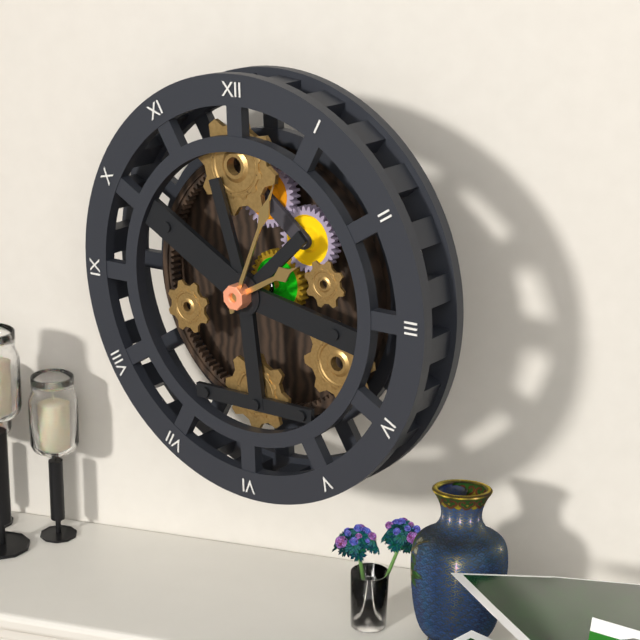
2:04
